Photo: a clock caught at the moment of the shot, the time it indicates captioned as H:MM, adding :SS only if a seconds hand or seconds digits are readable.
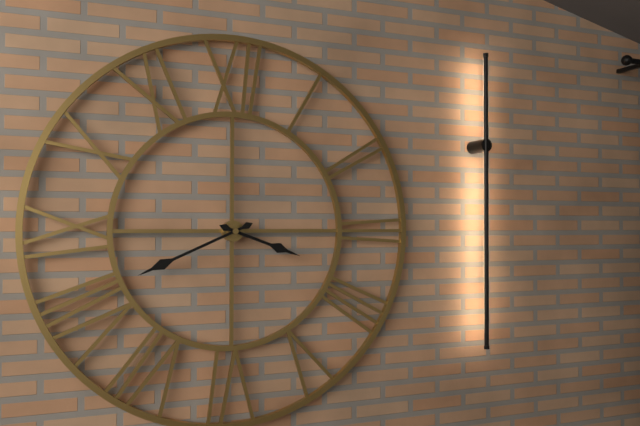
3:41
